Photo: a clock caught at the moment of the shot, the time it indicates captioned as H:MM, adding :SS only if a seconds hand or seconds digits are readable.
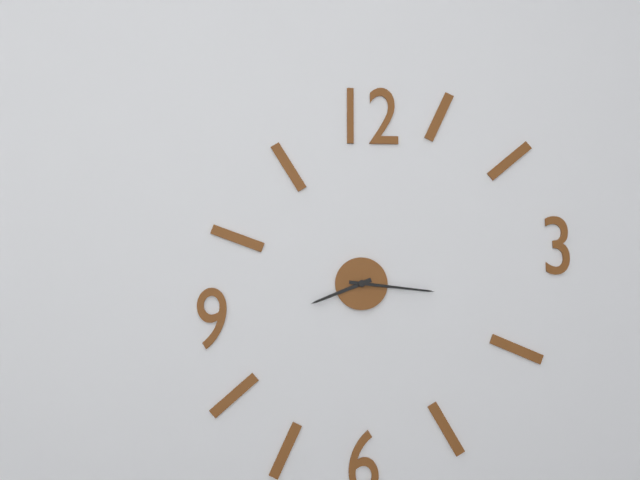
8:16
